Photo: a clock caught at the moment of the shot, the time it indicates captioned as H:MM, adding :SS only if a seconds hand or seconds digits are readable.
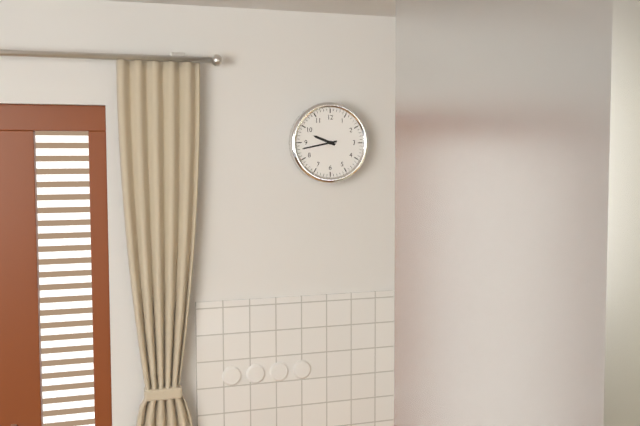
9:43
